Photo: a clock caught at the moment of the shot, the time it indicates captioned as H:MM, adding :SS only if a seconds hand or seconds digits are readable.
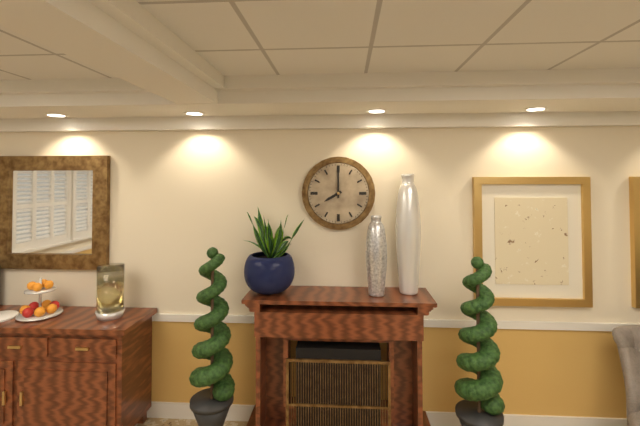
8:00
